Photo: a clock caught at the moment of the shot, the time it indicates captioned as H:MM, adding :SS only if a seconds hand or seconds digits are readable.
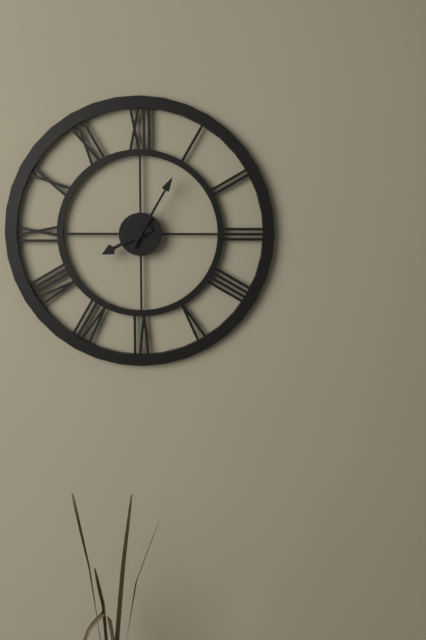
8:05
